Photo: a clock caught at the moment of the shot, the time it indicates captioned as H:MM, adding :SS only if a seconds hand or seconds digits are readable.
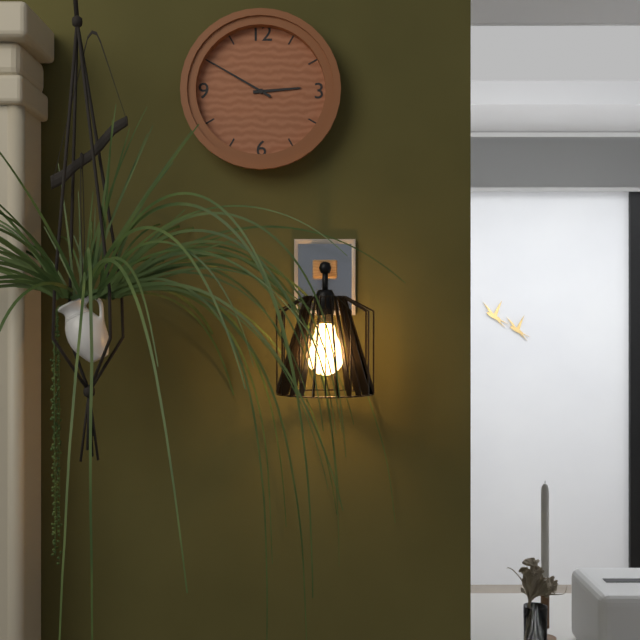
2:50
